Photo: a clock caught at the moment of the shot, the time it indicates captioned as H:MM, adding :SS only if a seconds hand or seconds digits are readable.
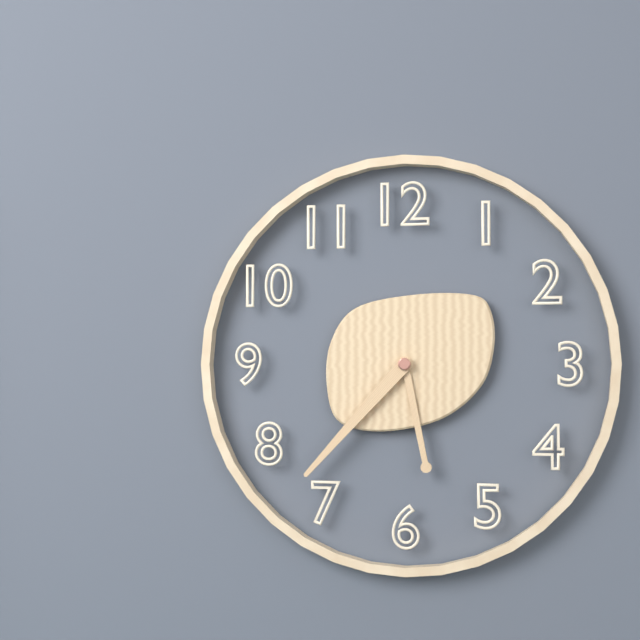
5:37
